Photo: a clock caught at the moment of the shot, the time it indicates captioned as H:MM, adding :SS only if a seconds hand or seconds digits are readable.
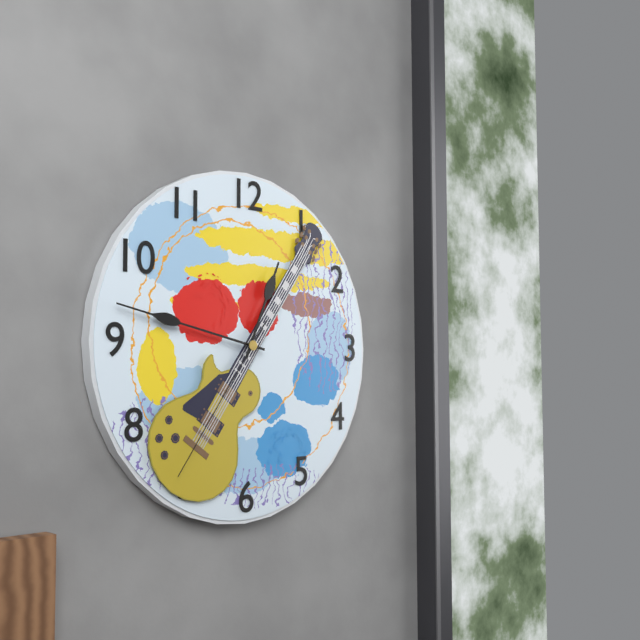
12:47:36
